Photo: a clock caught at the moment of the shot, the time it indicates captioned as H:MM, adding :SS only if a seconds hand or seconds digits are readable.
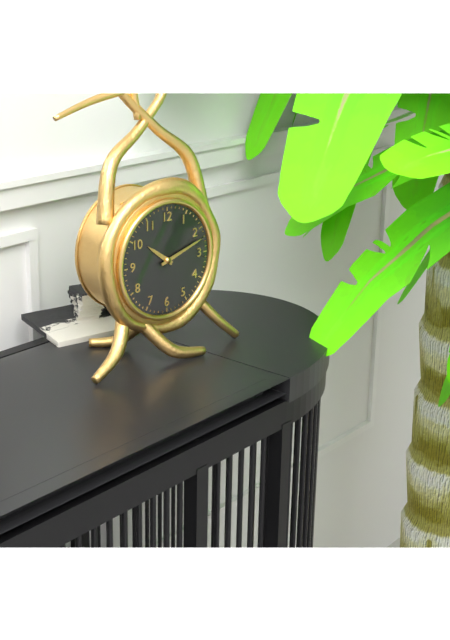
10:12
